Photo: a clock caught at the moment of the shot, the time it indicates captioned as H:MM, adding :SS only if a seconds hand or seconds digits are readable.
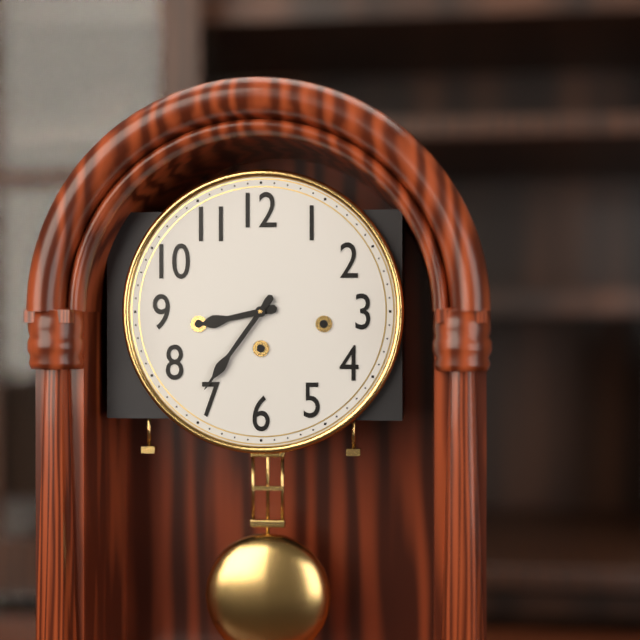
8:36
